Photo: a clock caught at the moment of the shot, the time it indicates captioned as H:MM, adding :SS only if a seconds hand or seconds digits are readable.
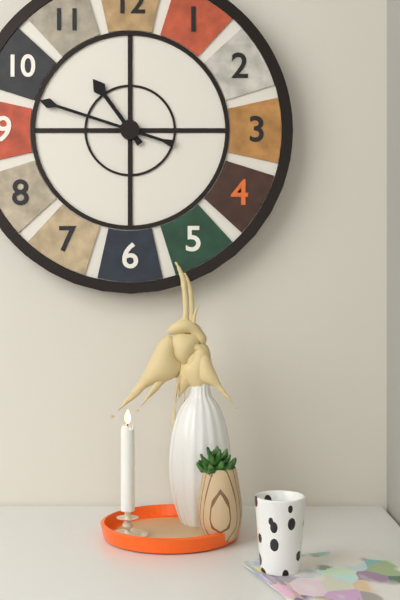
10:48
